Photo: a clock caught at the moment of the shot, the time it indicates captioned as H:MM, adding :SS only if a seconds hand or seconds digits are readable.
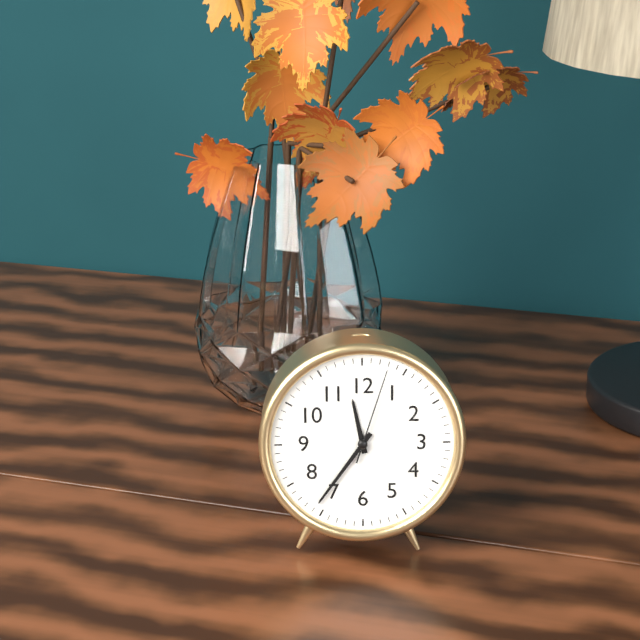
11:36:03
